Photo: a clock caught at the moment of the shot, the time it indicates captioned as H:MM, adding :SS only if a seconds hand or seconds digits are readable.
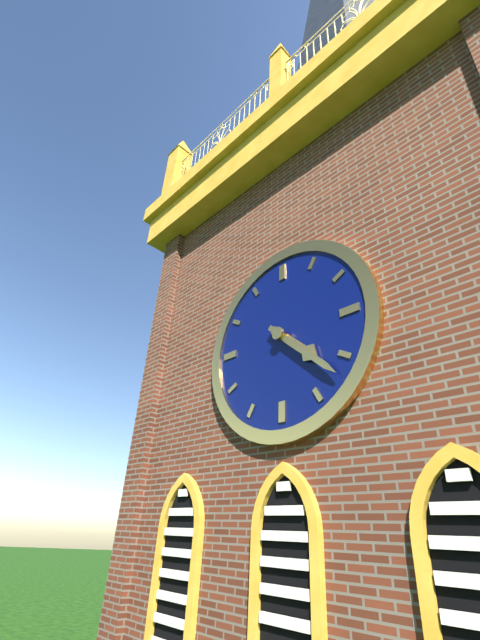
4:22
